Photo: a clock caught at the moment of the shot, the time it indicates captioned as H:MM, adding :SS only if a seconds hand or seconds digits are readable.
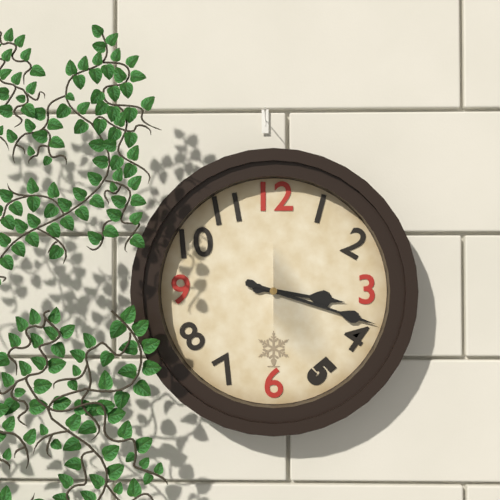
3:18
